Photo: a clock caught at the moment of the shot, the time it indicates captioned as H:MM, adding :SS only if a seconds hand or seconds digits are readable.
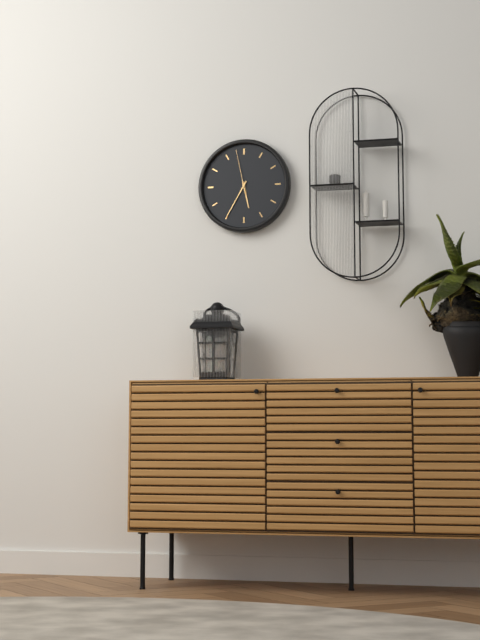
5:35
